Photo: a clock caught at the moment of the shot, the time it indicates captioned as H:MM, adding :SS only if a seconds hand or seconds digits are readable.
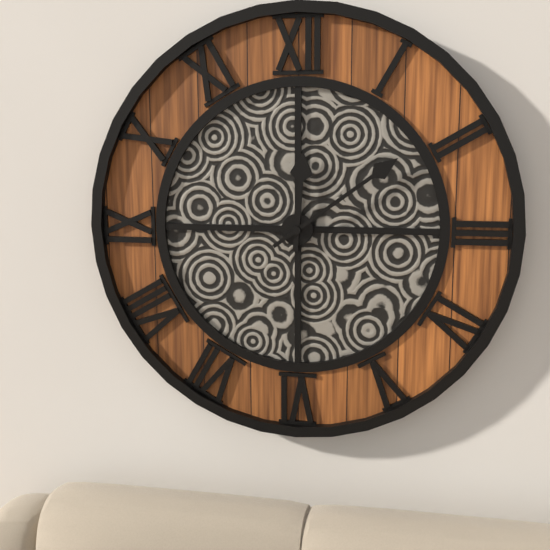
12:09
